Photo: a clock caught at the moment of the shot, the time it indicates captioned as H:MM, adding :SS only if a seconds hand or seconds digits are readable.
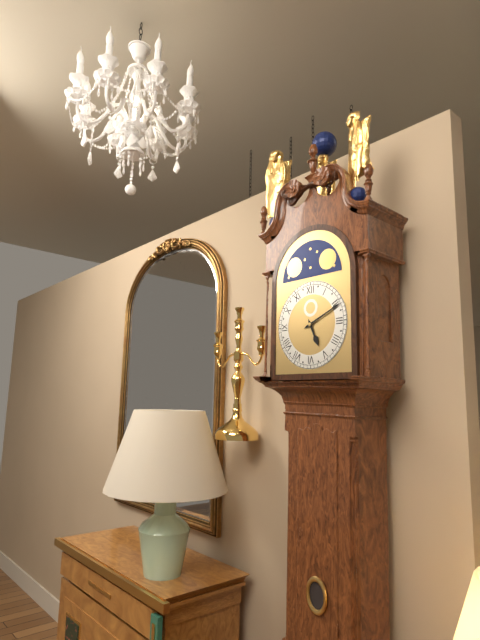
5:11
